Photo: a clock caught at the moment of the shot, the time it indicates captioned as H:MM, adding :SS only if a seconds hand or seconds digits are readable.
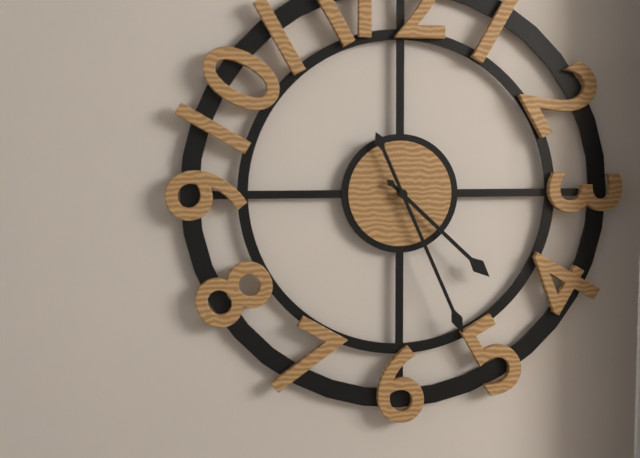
4:26
